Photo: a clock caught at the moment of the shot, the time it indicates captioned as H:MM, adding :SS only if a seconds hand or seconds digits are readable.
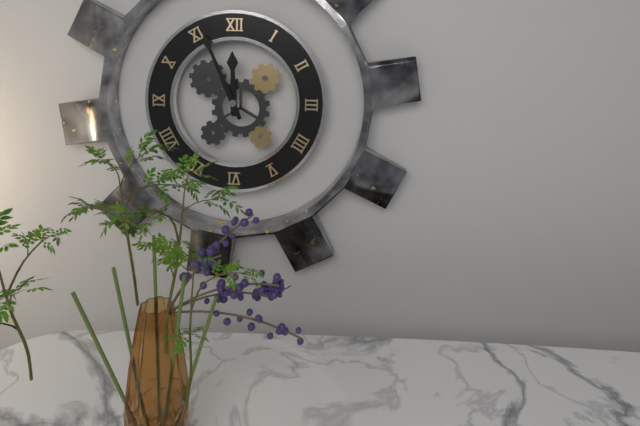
11:56
